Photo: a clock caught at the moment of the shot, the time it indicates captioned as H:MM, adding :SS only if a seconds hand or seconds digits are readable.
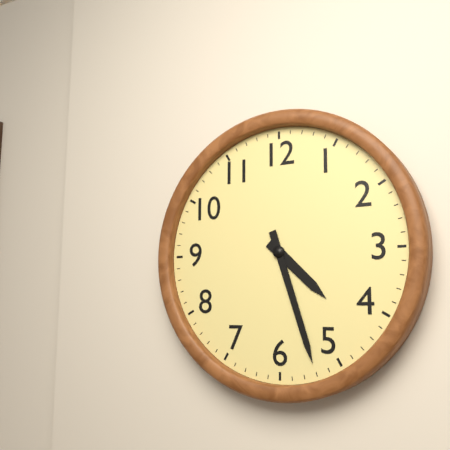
4:27
